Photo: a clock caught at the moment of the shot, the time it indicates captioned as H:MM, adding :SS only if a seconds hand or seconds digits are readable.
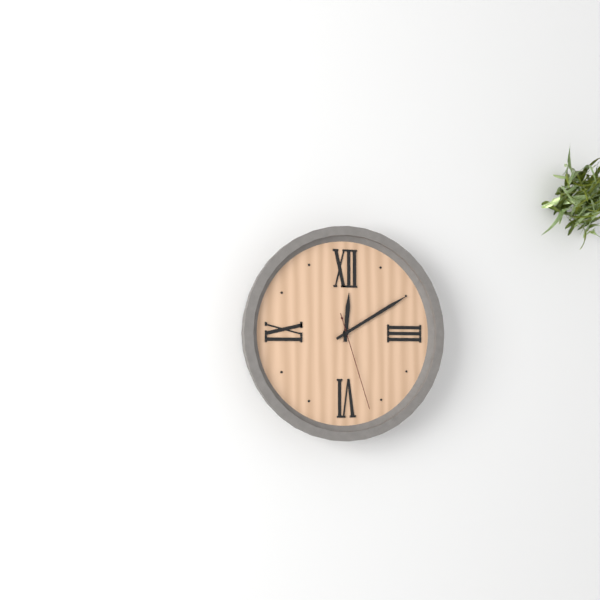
12:10:27
